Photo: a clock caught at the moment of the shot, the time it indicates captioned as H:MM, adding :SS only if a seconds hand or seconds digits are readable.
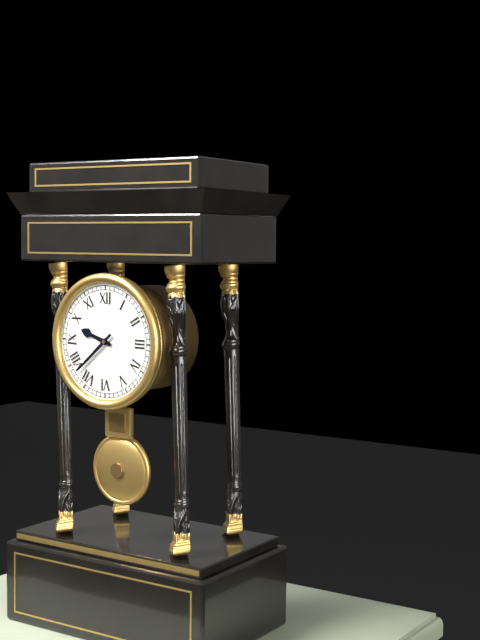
9:38
